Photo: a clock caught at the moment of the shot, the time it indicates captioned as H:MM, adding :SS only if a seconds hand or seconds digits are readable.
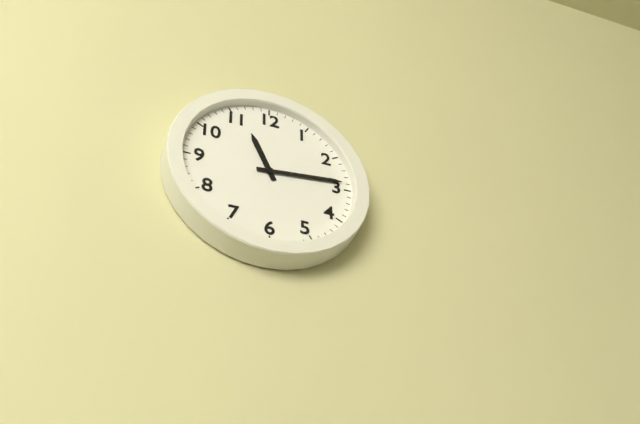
11:14
